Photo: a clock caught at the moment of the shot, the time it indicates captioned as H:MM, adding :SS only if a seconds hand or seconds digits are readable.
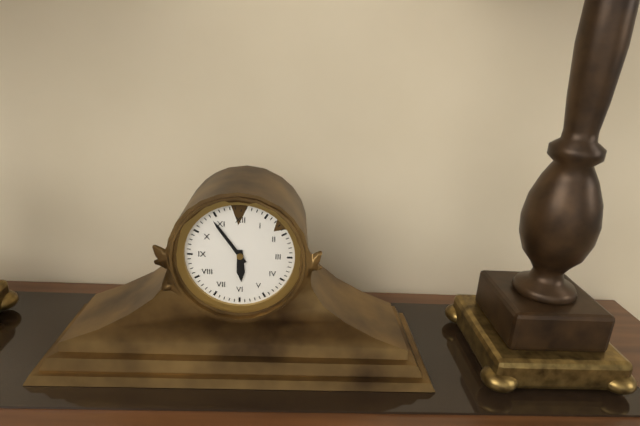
5:54
